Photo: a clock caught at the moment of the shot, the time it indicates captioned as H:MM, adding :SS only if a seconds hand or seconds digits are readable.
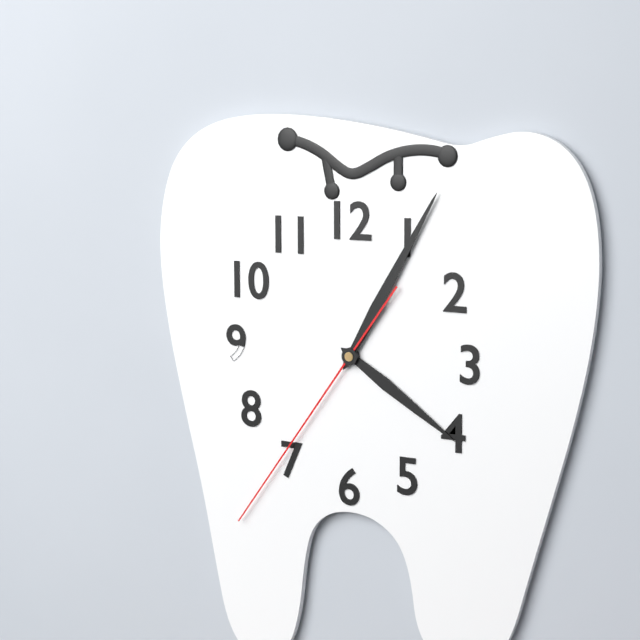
4:05:36
